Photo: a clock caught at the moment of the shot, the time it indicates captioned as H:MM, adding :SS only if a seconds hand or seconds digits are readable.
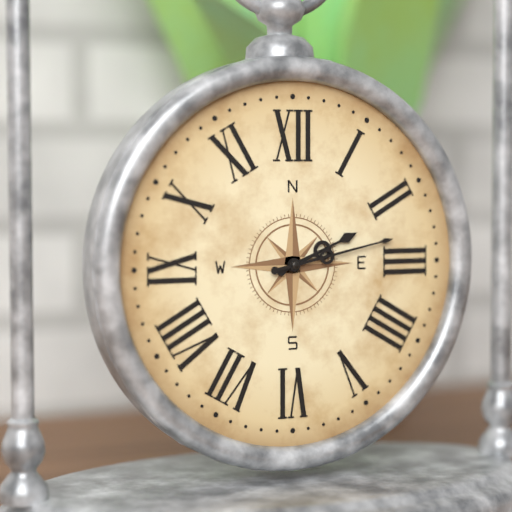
2:13
